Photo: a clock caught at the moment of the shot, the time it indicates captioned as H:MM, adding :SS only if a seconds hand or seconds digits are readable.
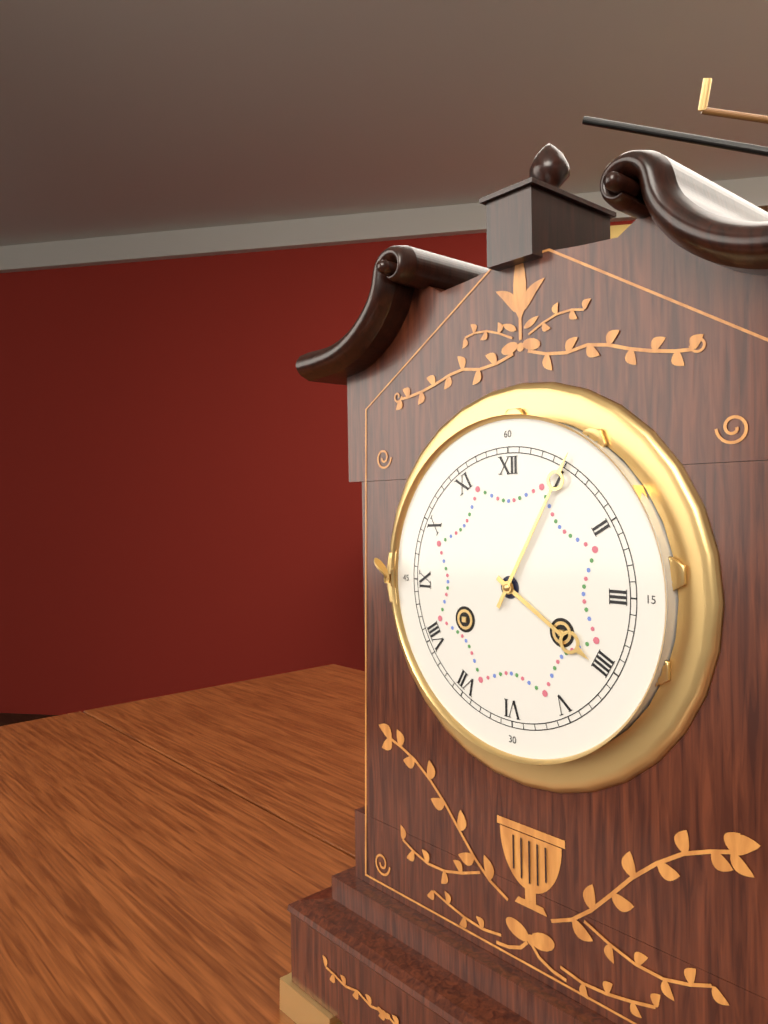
4:05
